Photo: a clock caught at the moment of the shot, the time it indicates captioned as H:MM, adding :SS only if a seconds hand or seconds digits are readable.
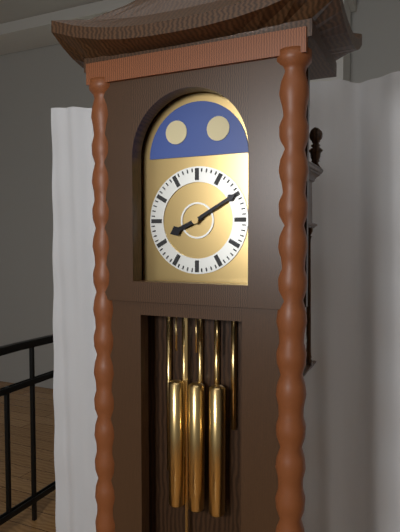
8:10
